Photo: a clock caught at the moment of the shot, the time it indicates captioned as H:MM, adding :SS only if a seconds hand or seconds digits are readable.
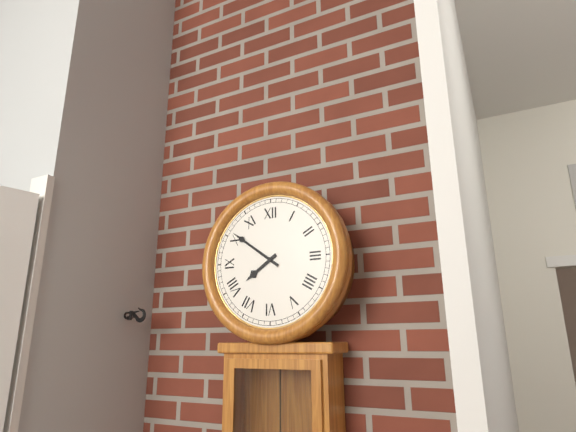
7:51
